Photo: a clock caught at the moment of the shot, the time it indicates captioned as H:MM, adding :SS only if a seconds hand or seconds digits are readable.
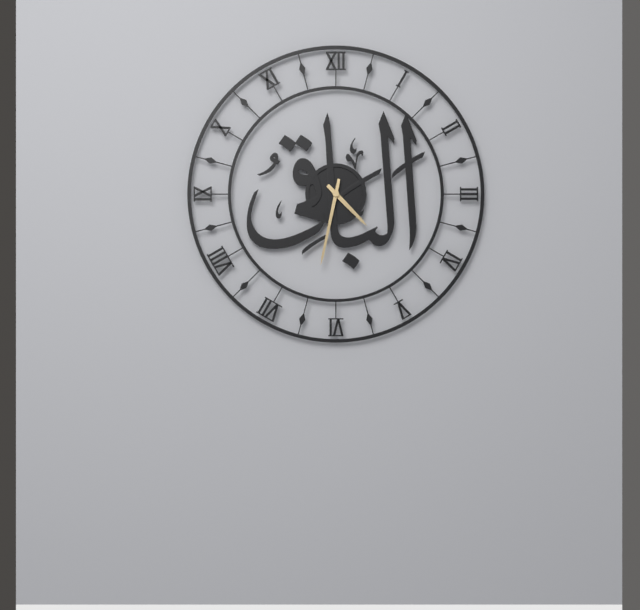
4:32
